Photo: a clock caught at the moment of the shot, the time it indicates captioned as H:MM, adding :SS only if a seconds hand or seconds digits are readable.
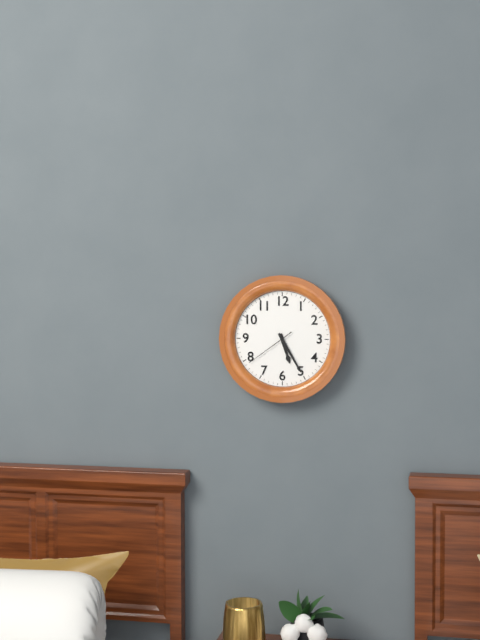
5:25:39
